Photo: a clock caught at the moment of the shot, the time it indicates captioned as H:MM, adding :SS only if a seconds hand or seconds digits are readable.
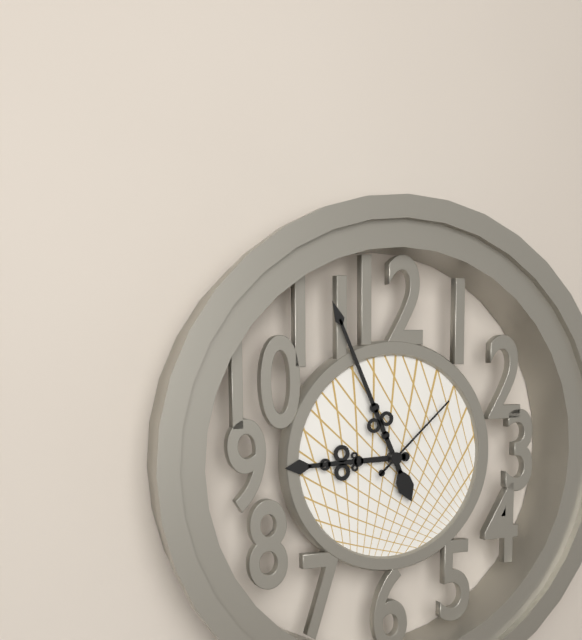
8:56:08
